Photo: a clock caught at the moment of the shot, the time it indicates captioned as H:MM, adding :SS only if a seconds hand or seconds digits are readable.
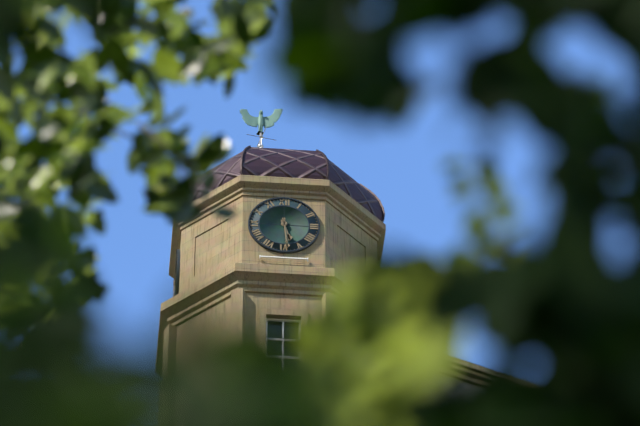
5:29
